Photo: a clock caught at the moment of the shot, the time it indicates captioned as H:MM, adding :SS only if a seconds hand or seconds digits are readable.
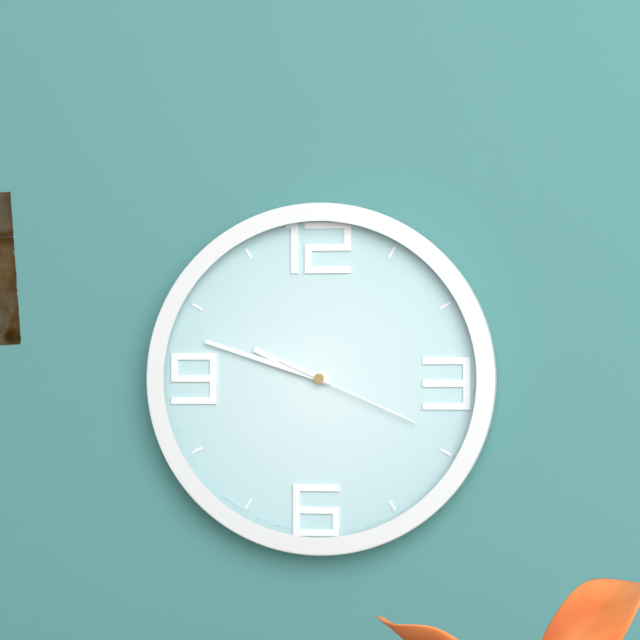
9:48:19
